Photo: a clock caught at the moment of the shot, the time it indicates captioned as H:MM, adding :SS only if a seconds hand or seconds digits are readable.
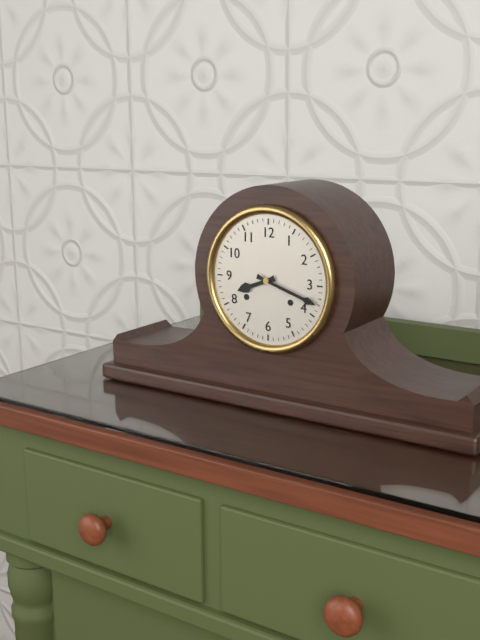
8:18
